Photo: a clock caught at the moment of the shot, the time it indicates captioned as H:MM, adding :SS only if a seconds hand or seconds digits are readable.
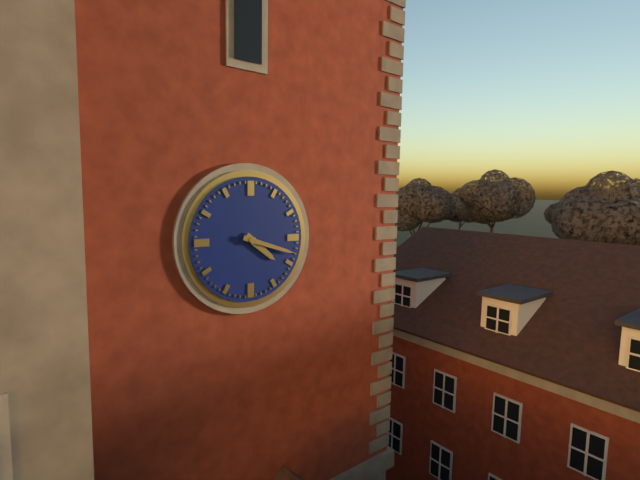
4:18
